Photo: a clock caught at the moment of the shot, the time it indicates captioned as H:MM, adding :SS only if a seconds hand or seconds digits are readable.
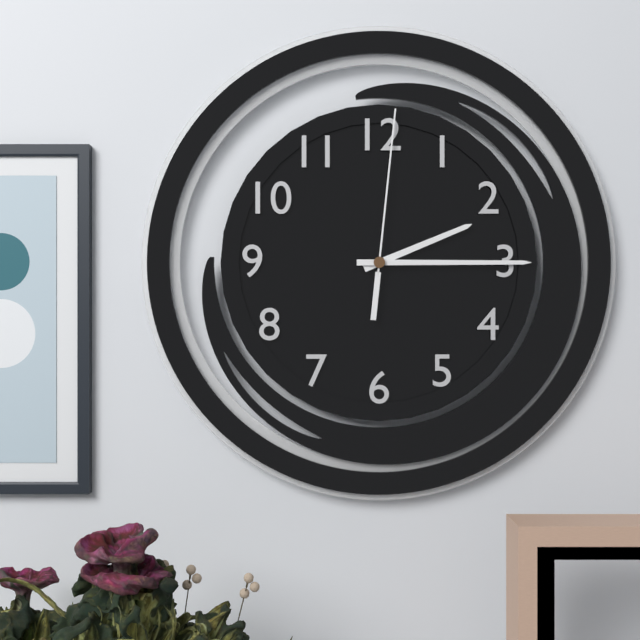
2:15:01
